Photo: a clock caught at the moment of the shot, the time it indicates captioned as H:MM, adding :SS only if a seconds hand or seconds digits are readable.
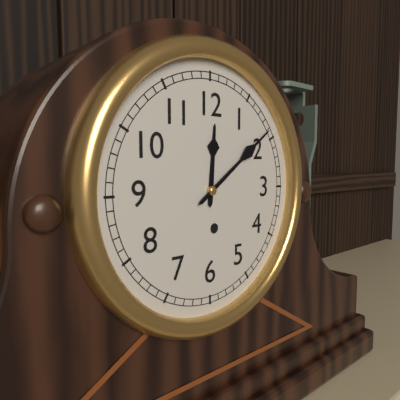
12:09
